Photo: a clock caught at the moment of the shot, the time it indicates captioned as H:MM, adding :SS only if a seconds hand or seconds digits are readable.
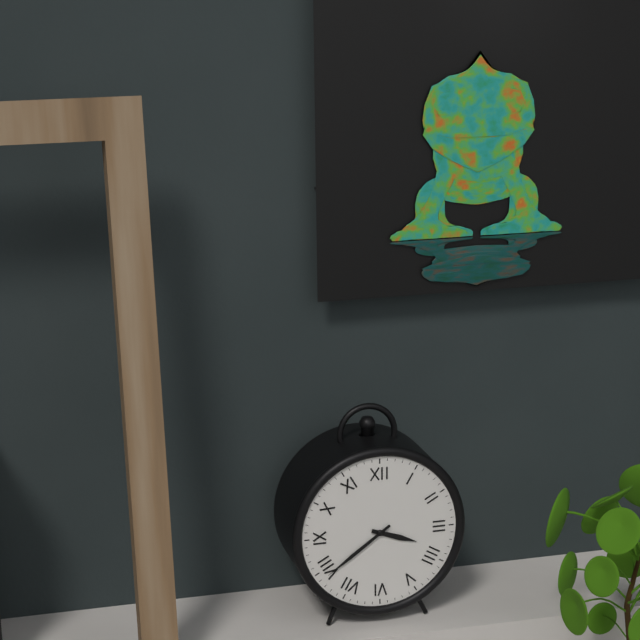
3:39
